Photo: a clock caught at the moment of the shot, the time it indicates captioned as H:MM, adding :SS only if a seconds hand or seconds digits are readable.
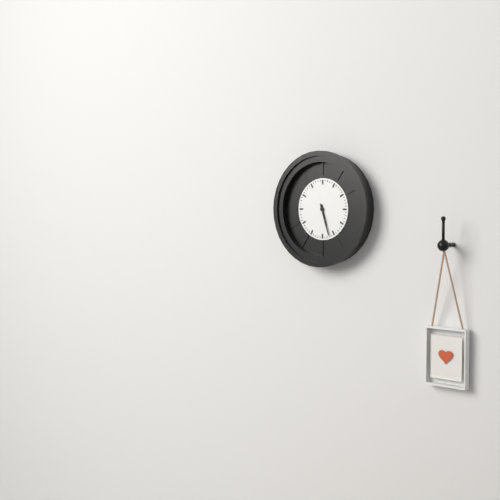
5:27
